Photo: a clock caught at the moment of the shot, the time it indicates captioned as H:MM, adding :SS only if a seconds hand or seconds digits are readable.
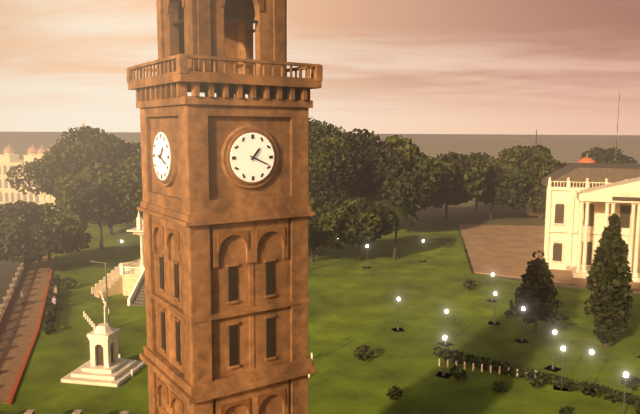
1:19
